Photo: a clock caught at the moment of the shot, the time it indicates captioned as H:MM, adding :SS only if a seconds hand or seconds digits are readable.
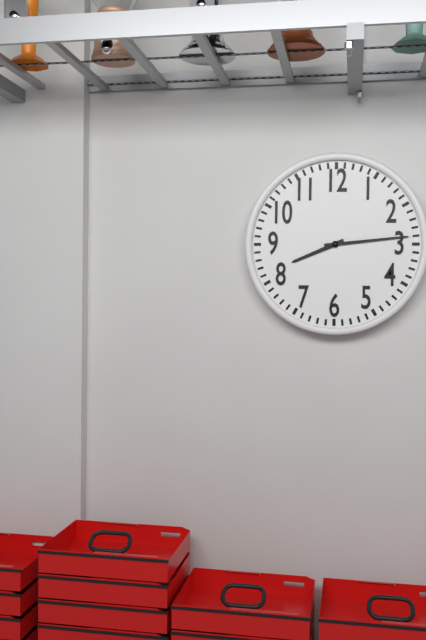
8:14
